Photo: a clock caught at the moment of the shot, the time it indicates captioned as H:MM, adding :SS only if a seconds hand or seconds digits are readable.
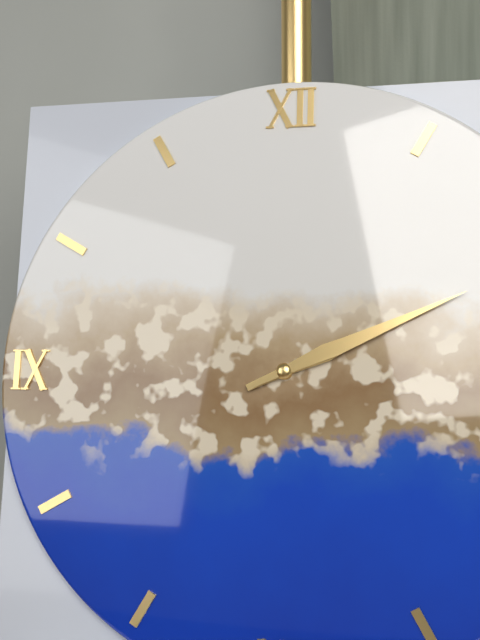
2:11
